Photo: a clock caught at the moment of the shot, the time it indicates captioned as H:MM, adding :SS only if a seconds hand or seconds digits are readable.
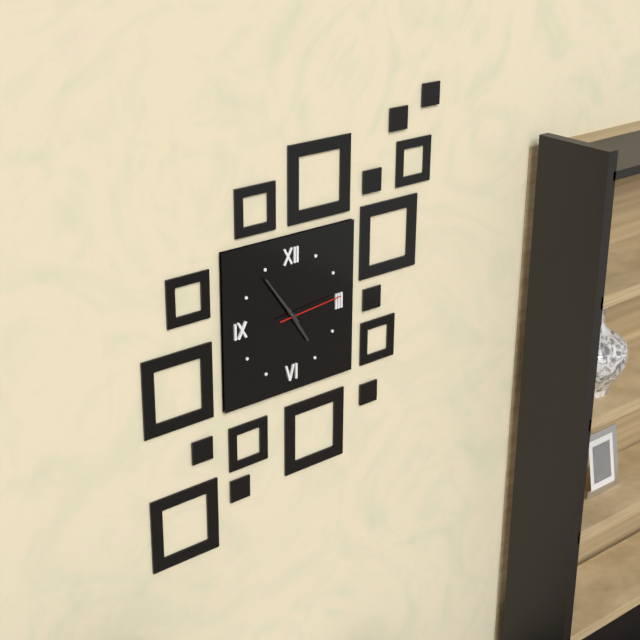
4:54:14
